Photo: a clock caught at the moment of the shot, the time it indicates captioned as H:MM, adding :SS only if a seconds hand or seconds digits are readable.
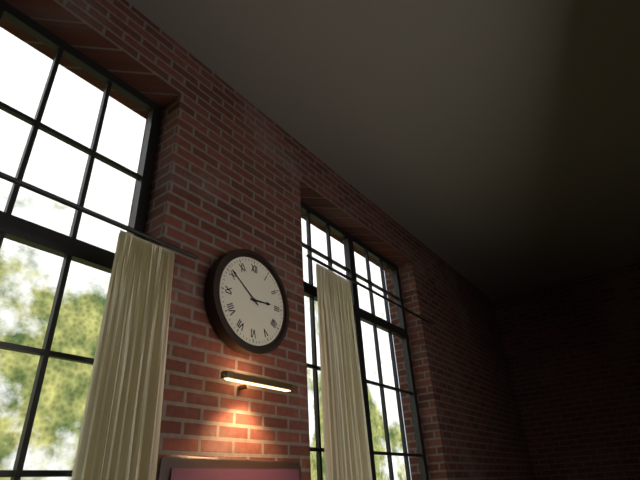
2:51
